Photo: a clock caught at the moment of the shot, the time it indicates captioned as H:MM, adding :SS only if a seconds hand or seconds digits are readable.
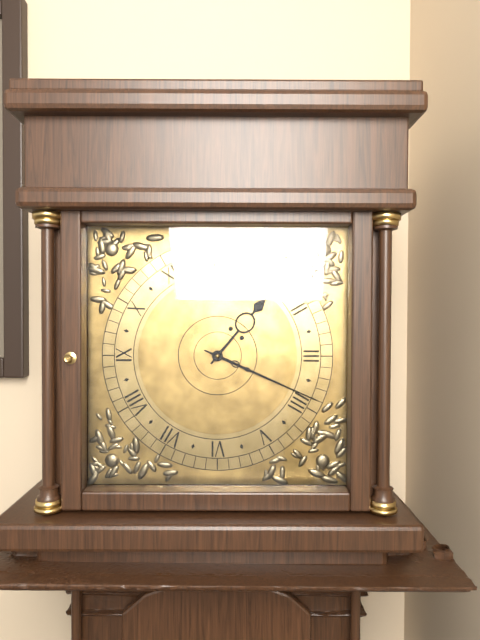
1:19
